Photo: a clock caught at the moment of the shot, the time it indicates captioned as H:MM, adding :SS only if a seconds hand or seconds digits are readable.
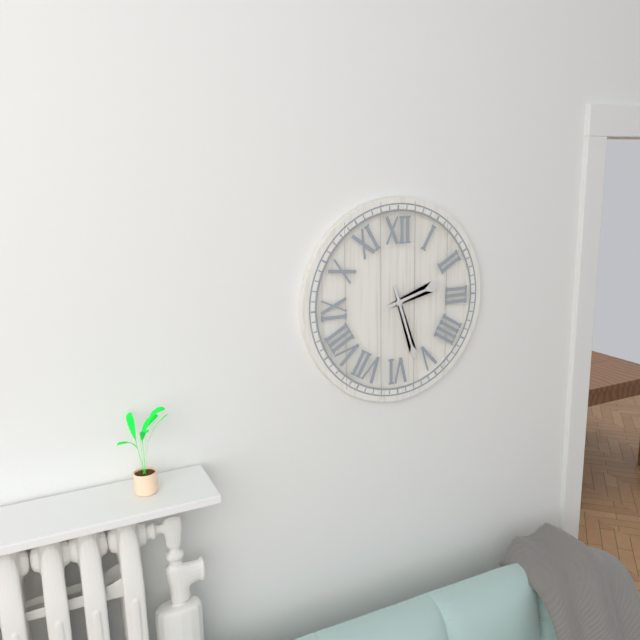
2:27
